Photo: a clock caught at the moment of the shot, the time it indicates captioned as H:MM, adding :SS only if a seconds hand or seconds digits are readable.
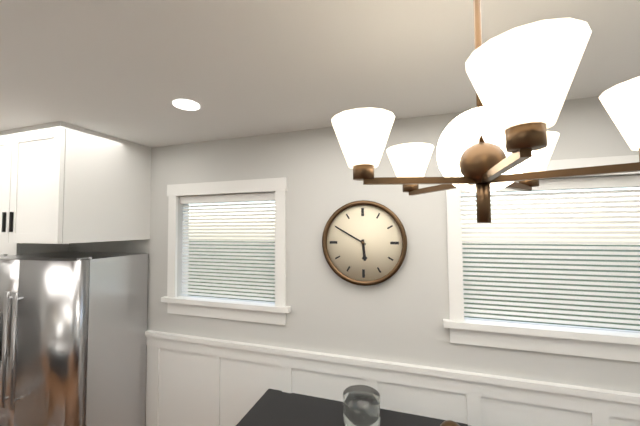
5:50
